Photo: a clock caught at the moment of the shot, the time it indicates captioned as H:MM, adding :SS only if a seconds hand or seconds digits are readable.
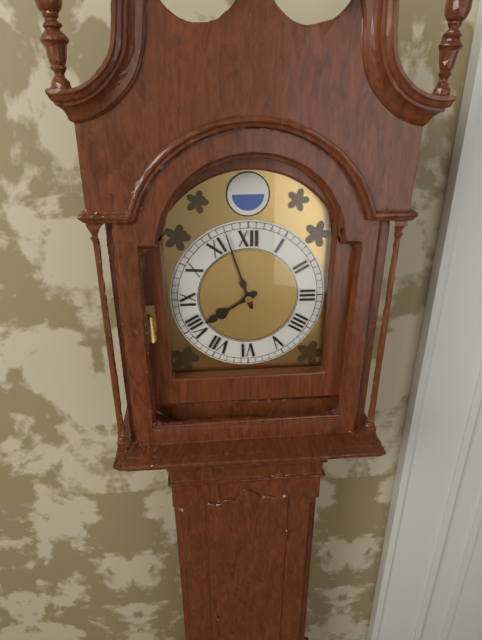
7:57
